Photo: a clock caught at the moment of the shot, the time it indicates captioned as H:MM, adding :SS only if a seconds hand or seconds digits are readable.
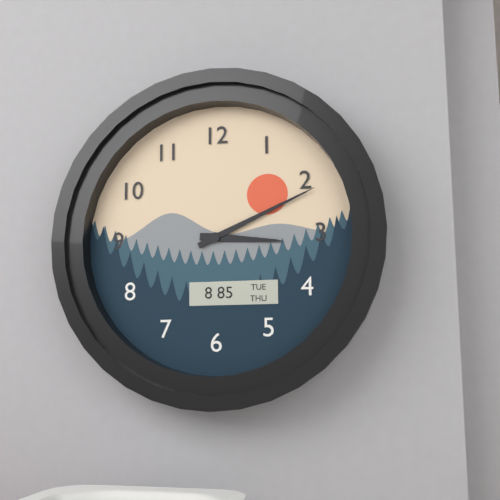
3:11
